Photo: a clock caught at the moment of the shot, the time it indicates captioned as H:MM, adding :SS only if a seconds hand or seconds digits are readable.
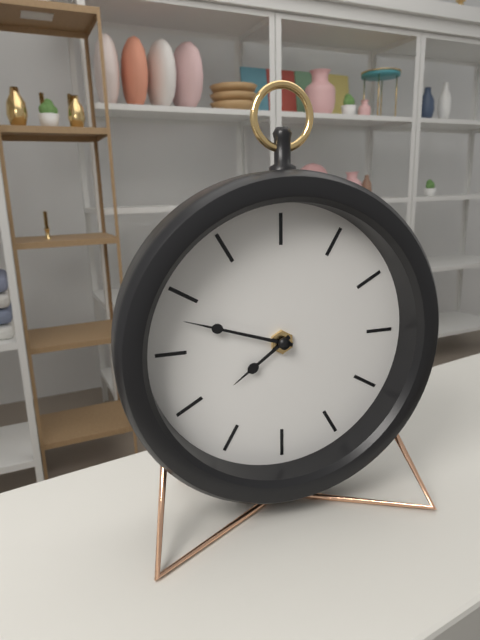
7:48
